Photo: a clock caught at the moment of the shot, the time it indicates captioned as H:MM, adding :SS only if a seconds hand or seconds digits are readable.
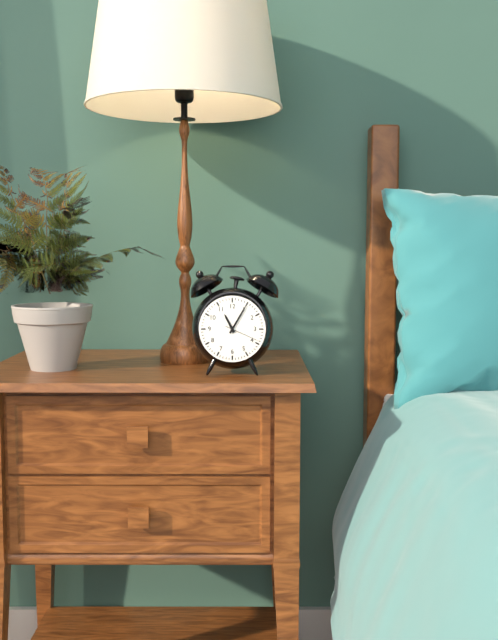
11:05
